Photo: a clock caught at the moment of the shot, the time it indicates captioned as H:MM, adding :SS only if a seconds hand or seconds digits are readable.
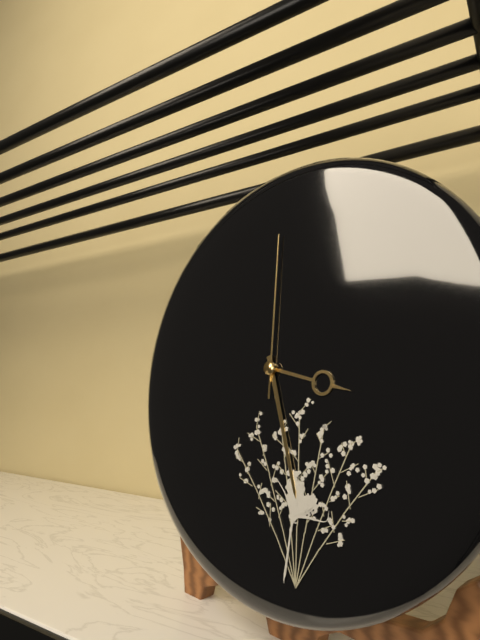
3:27:00
